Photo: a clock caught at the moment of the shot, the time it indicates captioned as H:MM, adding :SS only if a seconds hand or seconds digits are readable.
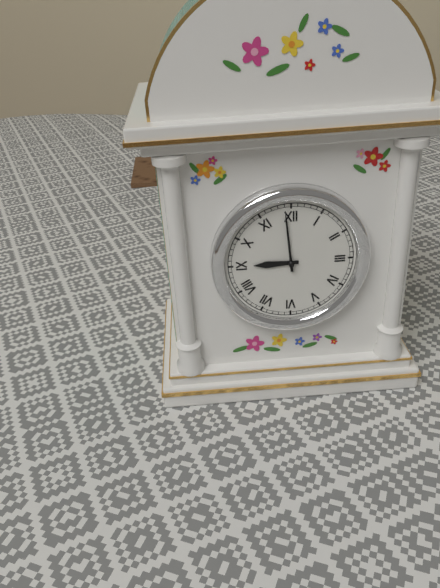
8:59
